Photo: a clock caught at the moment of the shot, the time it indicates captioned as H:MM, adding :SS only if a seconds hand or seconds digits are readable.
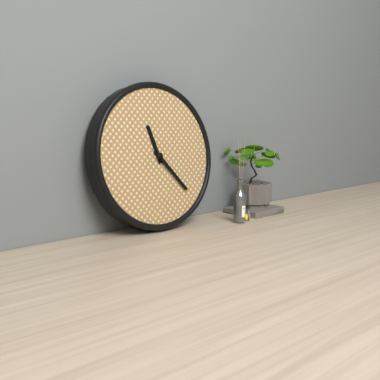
11:23
